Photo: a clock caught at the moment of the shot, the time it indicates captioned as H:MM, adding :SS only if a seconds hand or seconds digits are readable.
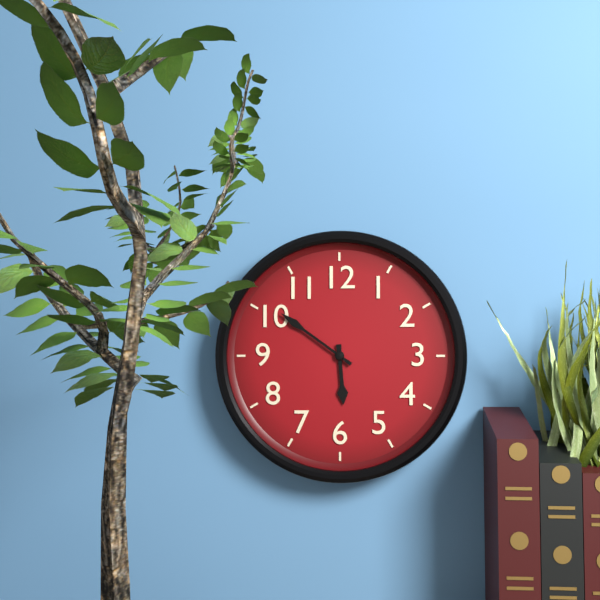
5:51
